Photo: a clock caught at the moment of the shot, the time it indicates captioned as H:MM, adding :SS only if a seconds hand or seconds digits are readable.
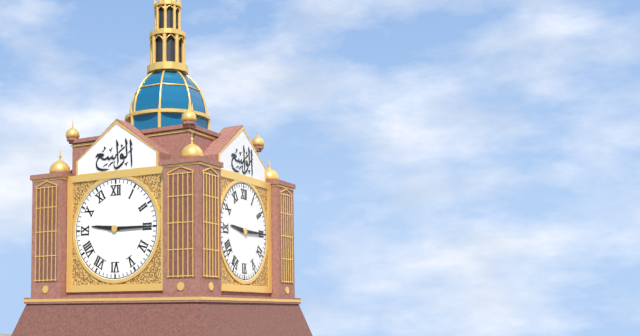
9:15
